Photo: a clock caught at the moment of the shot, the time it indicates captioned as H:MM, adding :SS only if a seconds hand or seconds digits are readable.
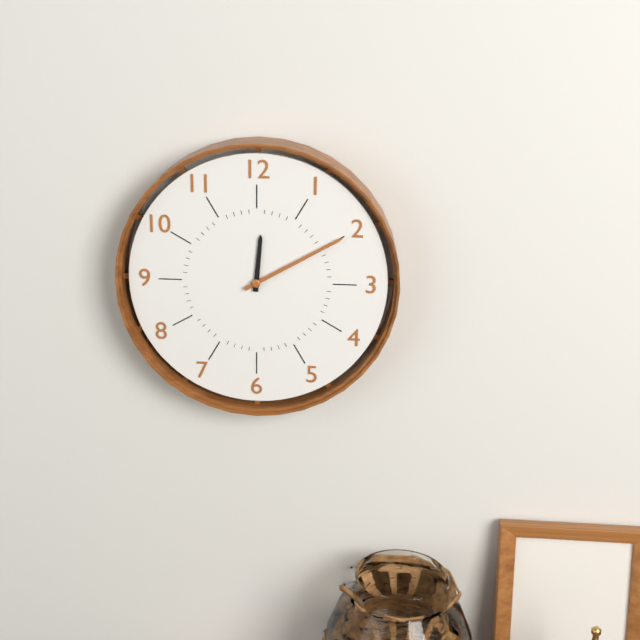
12:10
